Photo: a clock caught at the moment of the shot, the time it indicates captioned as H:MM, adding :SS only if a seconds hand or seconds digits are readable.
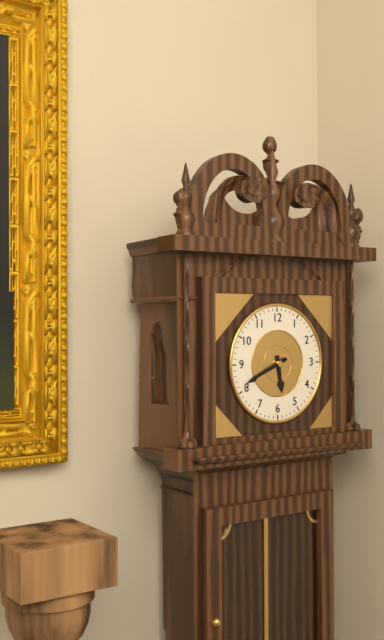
5:41
